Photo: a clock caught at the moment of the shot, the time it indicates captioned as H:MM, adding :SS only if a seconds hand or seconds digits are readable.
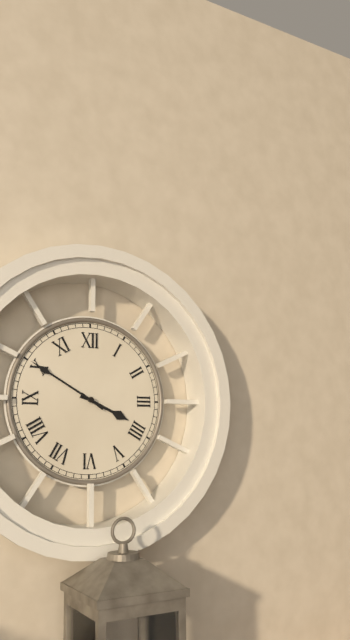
3:50
